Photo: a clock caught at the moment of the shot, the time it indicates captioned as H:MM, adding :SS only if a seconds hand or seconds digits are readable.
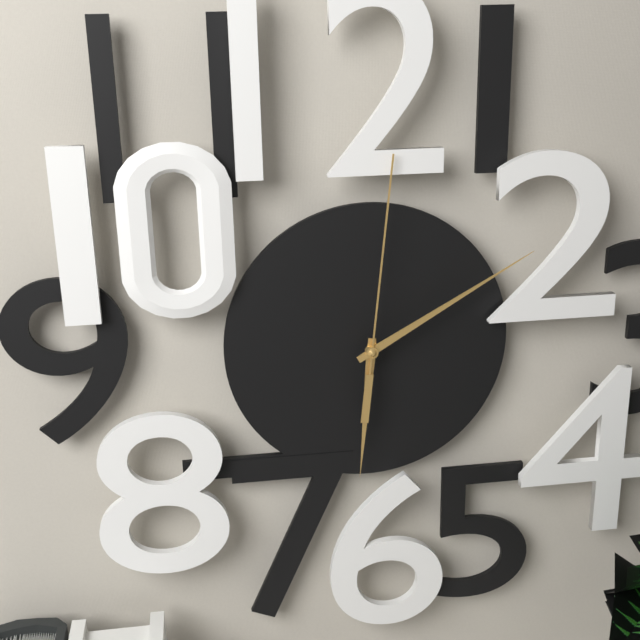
6:10:01
